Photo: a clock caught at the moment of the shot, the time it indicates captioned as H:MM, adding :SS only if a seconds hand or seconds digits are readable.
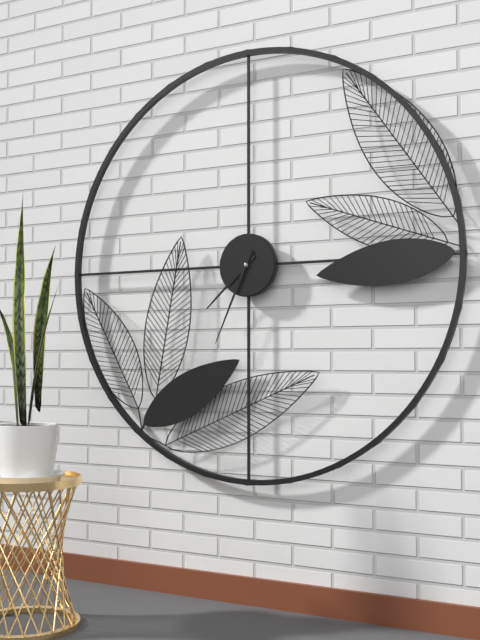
7:34
